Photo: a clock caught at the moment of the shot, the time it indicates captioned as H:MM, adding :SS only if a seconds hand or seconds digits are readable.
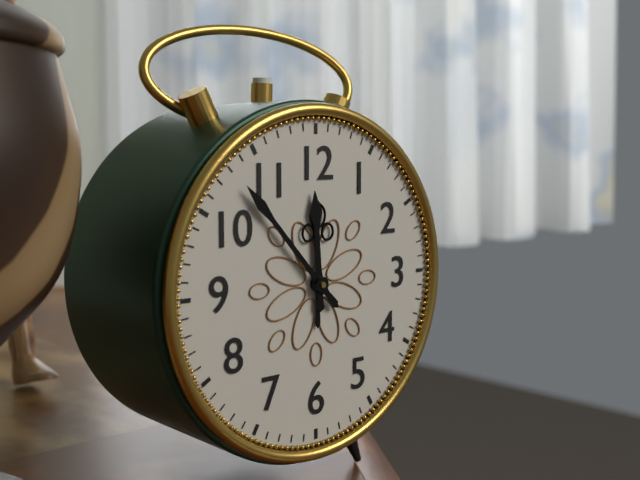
11:53
